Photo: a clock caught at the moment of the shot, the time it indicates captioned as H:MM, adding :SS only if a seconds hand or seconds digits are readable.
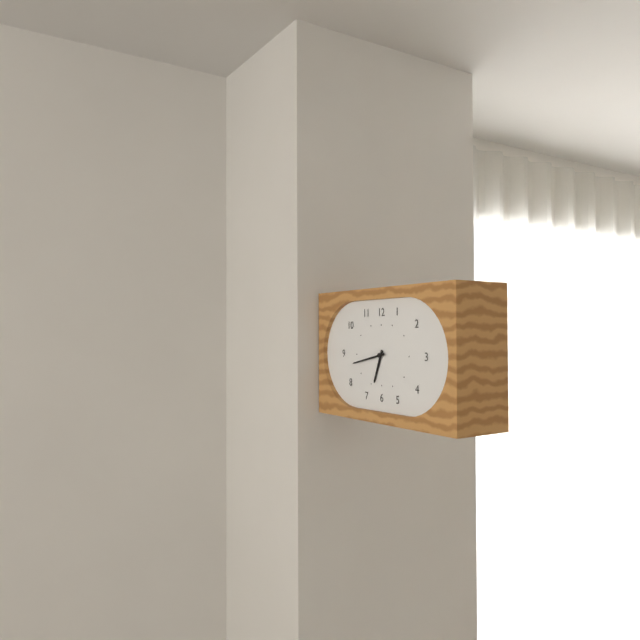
6:43
